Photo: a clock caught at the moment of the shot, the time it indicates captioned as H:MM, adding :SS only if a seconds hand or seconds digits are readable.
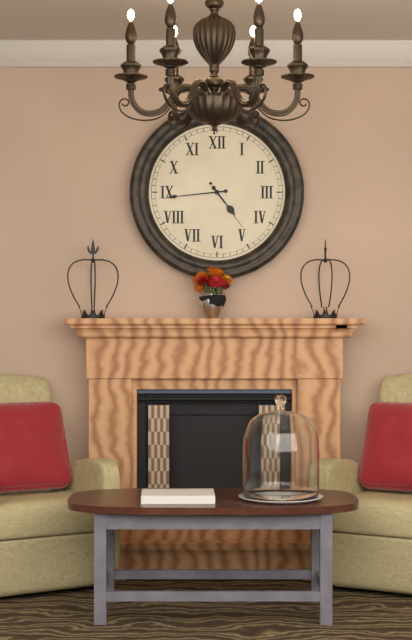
4:44:24
